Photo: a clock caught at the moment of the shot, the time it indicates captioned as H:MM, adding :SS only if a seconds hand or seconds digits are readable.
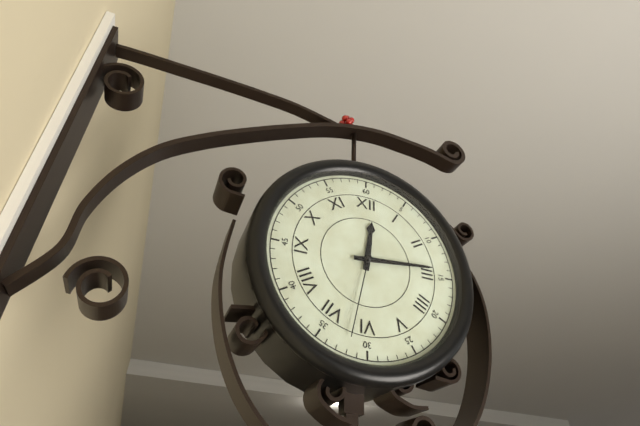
12:14:32
